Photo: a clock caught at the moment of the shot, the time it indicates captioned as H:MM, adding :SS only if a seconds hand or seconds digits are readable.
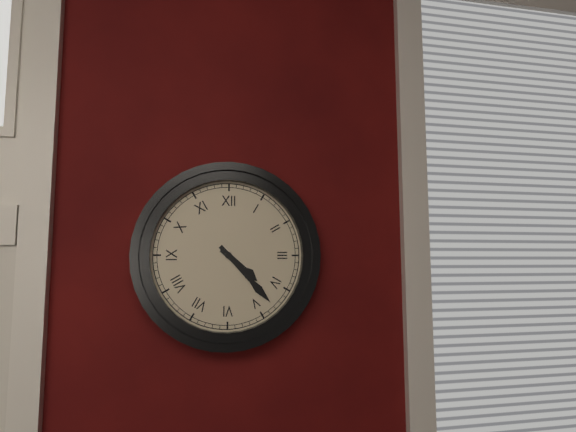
4:23
